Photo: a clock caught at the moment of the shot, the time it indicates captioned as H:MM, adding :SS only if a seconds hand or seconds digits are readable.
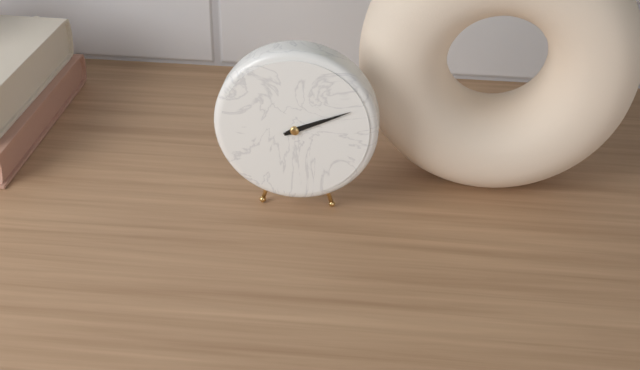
2:11
